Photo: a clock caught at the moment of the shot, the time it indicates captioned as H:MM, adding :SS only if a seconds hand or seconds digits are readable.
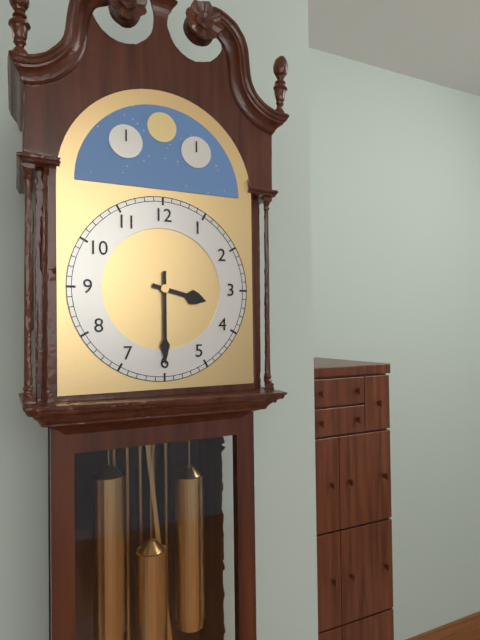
3:30
